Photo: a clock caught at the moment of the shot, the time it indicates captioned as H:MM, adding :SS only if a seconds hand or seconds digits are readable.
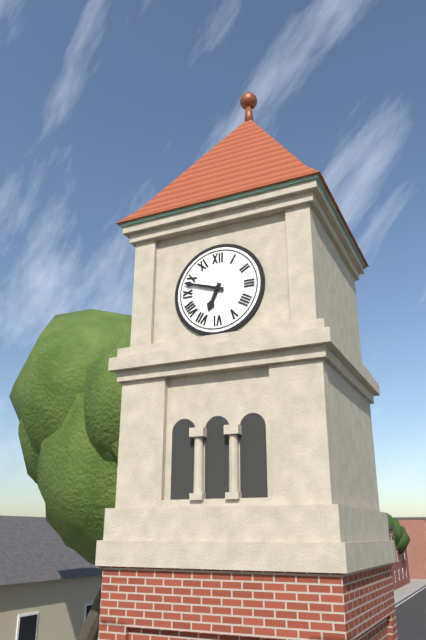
6:48
